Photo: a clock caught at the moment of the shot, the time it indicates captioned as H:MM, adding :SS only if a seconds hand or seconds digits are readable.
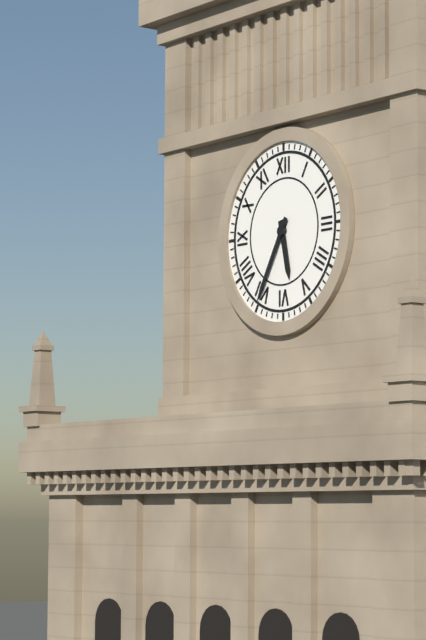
5:35
